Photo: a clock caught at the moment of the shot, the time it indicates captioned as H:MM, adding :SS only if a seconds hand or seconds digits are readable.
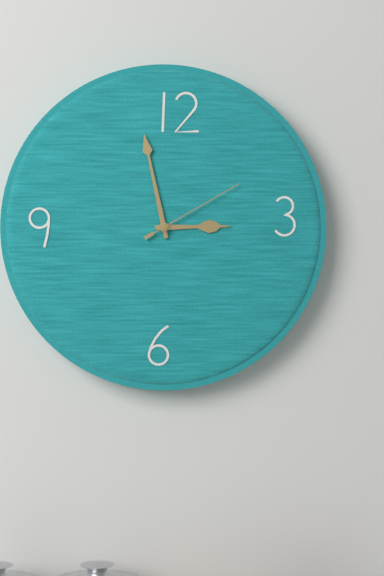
2:58:10
